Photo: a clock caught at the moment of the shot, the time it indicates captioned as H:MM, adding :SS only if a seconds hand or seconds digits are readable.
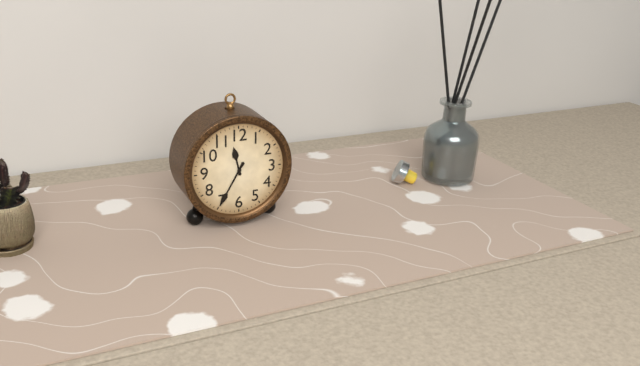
11:35
